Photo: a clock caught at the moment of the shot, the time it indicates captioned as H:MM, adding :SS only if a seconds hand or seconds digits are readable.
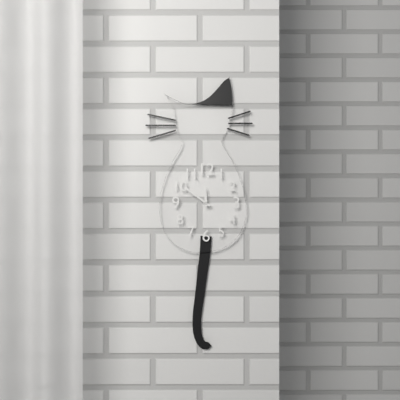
11:51
